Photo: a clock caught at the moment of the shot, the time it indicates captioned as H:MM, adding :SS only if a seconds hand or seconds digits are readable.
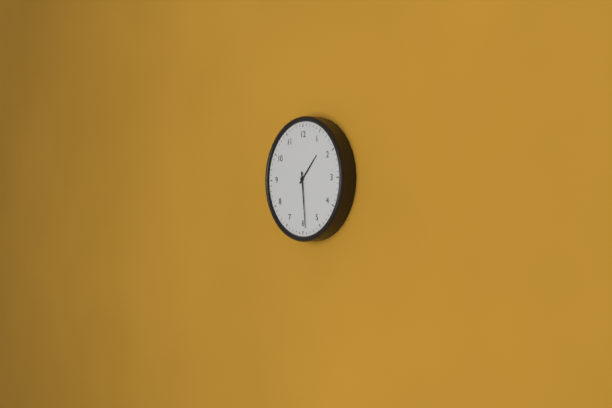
1:29
